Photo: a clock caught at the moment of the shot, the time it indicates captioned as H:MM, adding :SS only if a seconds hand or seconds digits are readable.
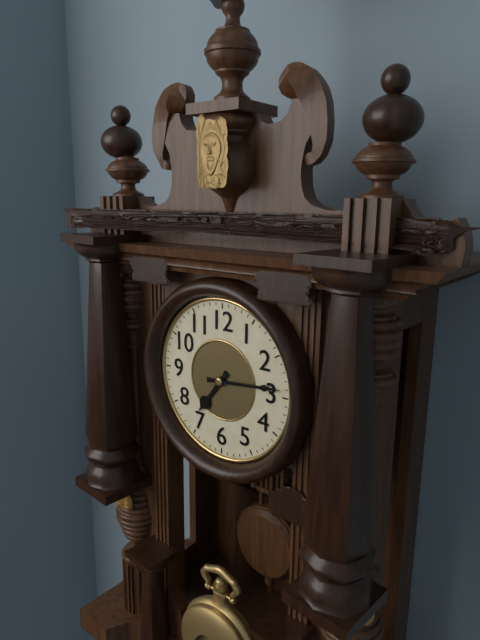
7:14
